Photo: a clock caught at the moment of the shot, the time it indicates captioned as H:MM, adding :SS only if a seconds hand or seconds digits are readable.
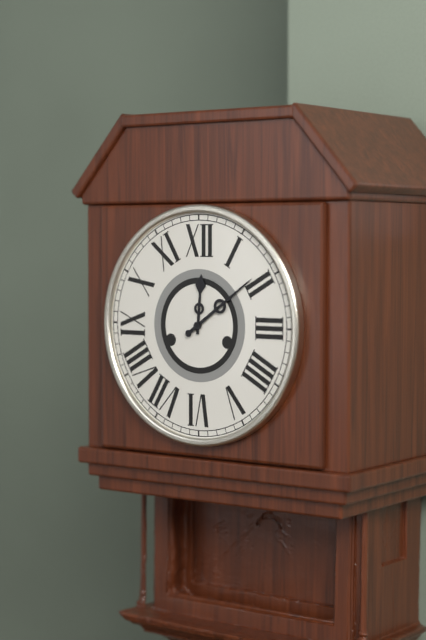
12:09
